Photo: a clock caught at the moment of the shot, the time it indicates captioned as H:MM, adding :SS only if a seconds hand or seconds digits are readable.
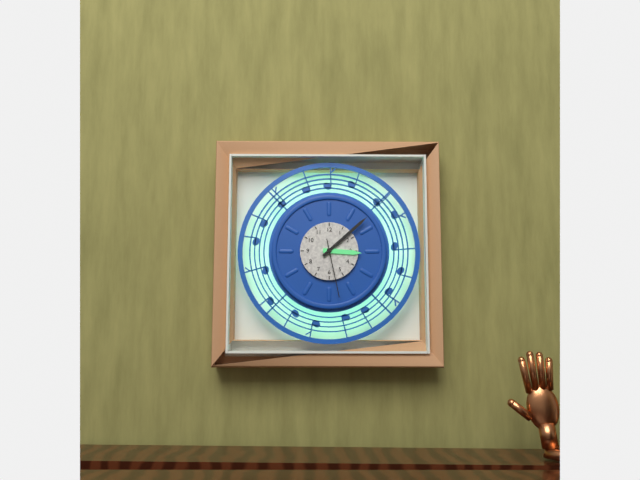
3:08:28
